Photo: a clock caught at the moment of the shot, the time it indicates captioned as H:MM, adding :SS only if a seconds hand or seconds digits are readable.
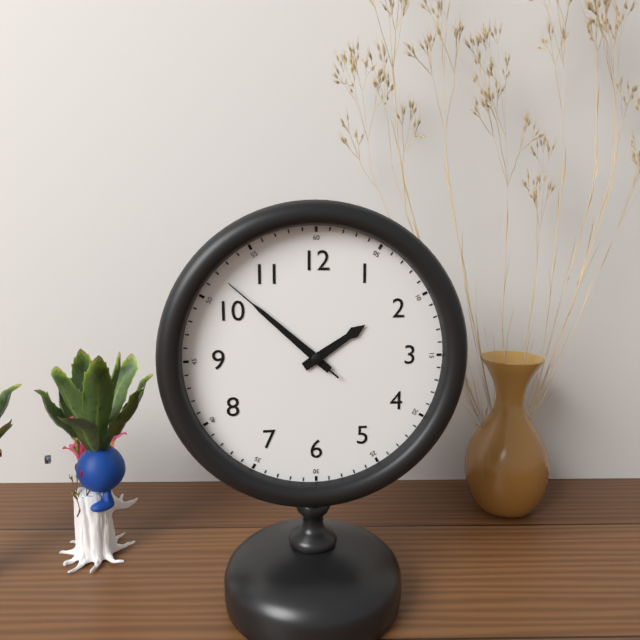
1:52:52
